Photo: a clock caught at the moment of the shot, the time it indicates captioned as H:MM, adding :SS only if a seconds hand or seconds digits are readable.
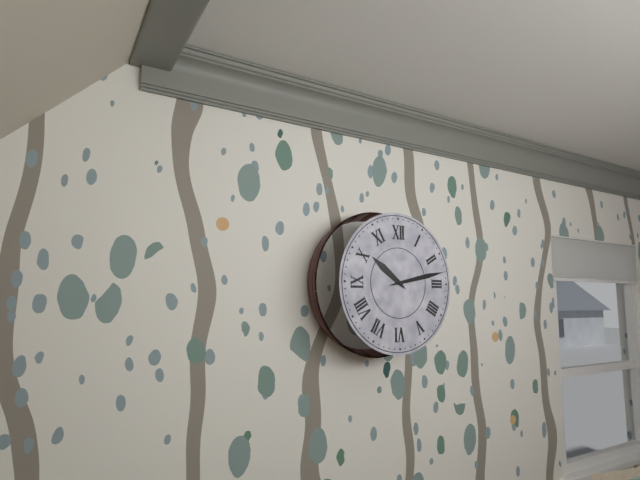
10:13
